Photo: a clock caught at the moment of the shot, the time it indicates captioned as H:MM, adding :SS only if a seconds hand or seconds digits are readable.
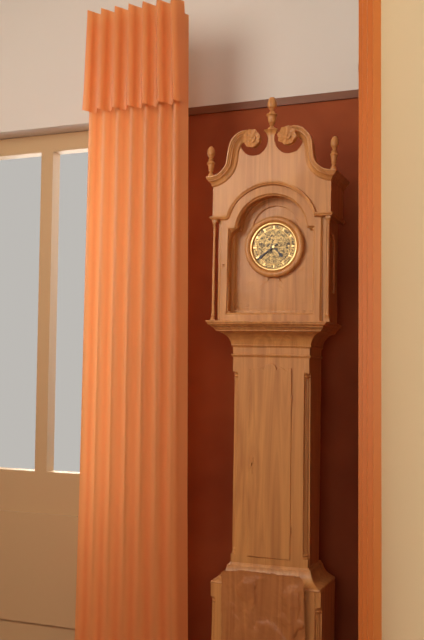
4:39
